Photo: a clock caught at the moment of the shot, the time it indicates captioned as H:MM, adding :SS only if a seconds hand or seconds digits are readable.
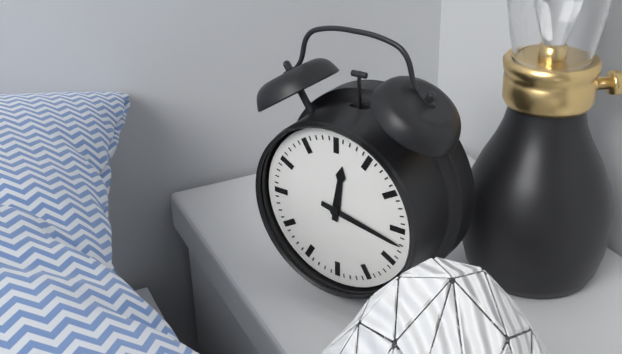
12:17
